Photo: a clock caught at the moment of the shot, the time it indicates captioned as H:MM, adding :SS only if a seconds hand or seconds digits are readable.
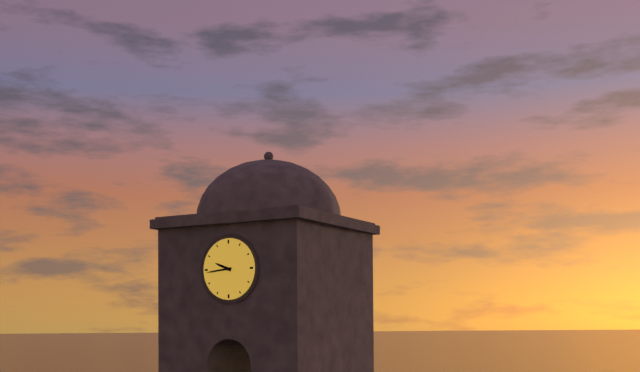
9:44
